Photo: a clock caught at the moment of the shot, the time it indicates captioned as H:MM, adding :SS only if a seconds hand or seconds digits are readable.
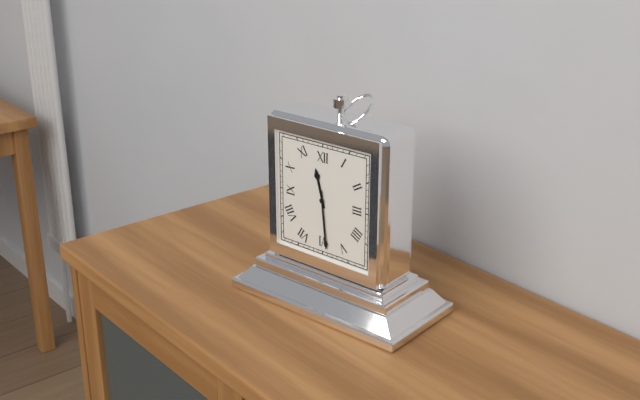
11:29
